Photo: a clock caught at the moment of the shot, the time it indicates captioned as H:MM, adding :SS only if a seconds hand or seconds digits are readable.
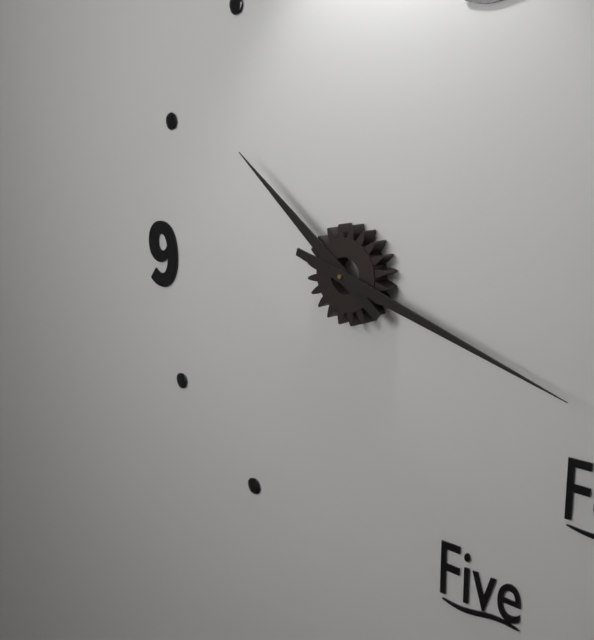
10:18
